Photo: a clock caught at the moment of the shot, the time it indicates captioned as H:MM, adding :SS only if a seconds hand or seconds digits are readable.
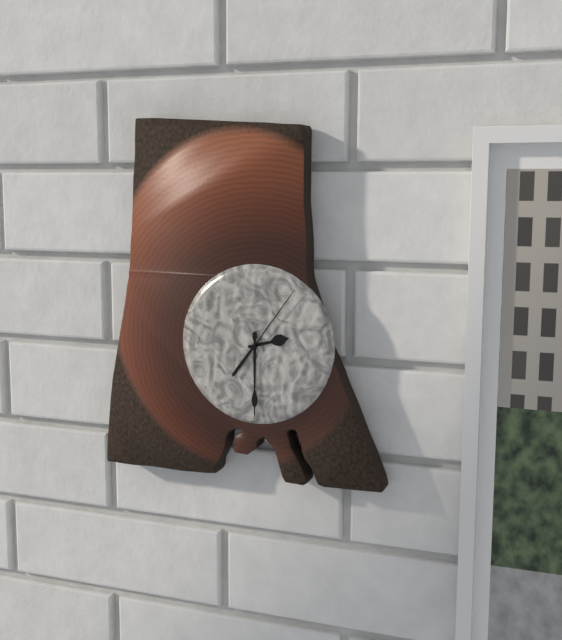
2:30:06
